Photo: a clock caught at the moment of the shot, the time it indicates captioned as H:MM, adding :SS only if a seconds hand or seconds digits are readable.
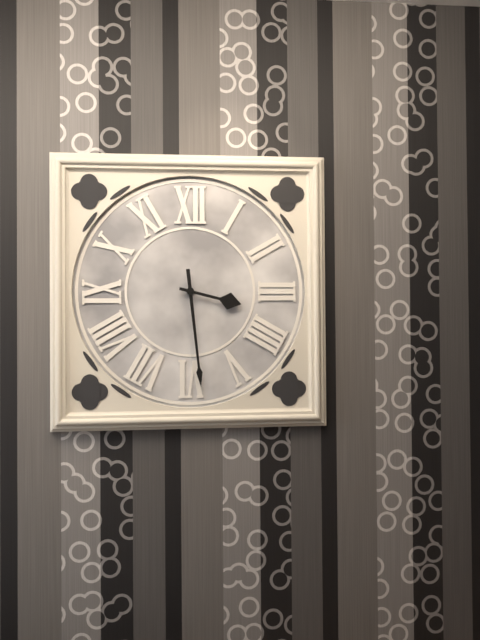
3:29
